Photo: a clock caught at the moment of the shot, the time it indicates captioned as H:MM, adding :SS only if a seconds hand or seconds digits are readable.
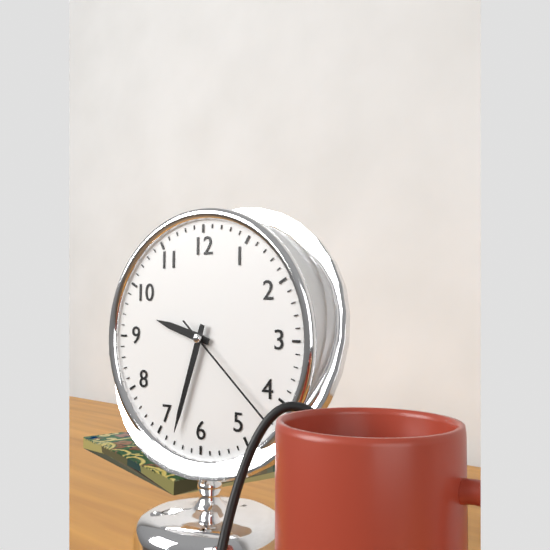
9:33:22
